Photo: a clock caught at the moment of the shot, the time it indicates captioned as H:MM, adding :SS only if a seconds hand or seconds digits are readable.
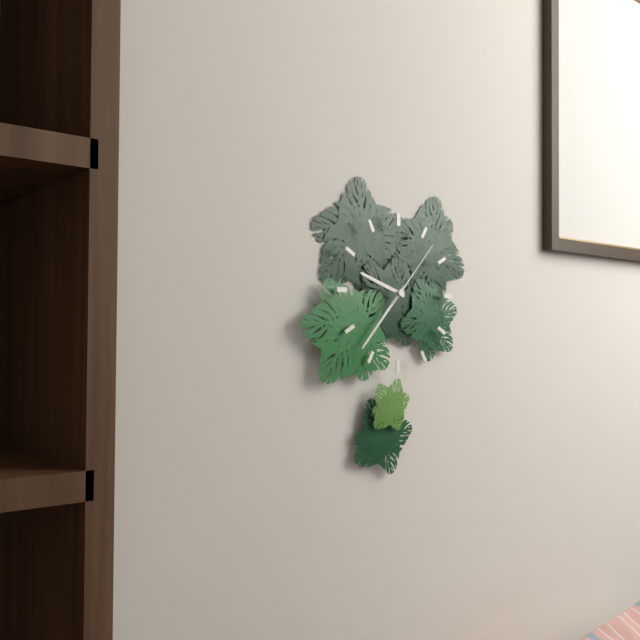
9:37:07
